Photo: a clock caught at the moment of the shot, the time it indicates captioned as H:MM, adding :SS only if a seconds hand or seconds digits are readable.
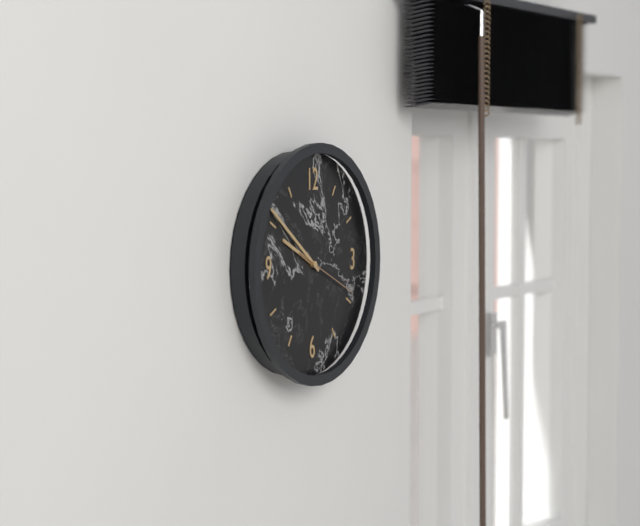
9:51:19
